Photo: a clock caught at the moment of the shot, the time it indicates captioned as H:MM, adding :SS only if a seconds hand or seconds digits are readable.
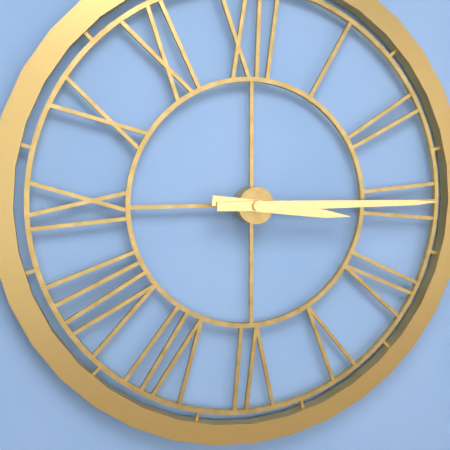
3:15
